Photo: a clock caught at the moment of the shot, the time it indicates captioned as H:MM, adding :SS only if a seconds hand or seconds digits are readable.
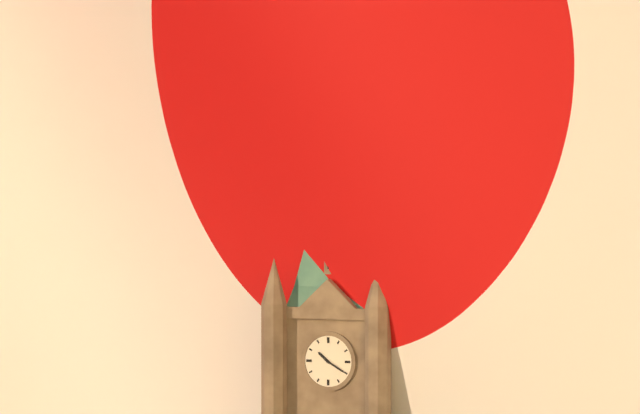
10:20
